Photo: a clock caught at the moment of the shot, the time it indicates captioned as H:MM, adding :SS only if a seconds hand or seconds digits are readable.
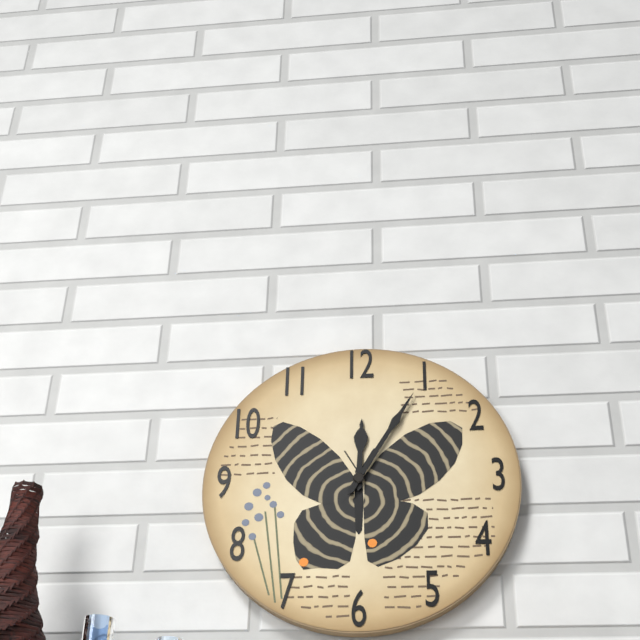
12:05
